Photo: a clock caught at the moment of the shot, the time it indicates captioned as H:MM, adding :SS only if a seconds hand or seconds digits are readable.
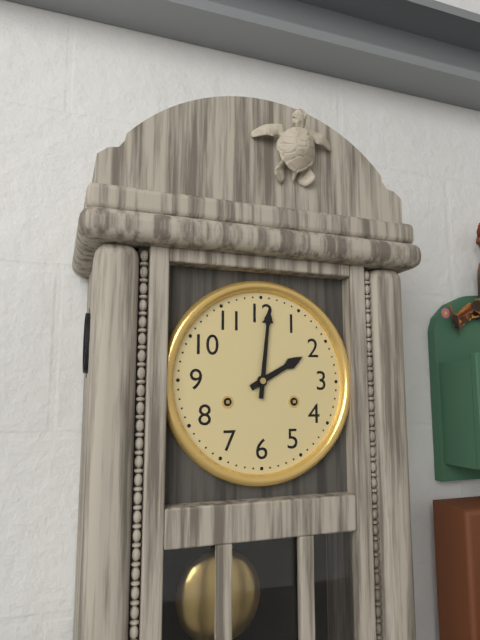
2:01
